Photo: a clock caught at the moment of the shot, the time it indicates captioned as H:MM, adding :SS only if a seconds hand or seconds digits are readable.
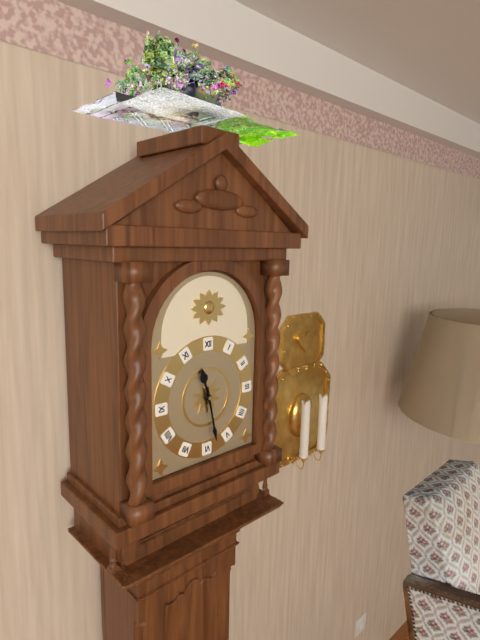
11:28
